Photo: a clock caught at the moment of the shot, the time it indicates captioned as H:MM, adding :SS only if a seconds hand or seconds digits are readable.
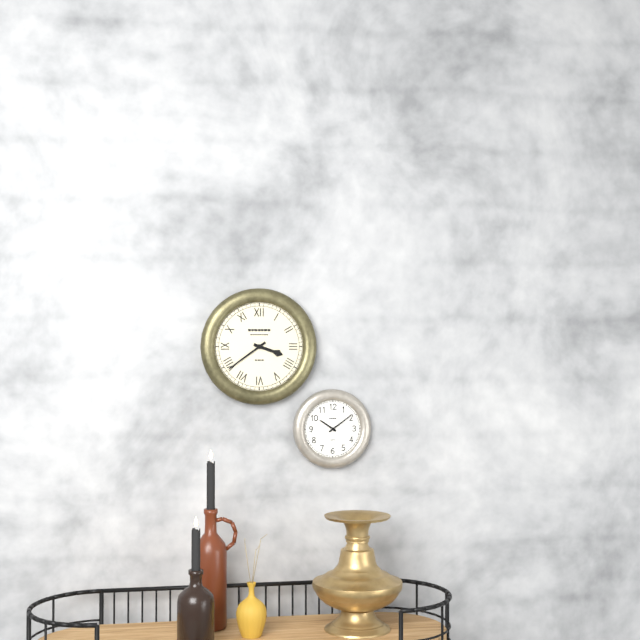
3:39
